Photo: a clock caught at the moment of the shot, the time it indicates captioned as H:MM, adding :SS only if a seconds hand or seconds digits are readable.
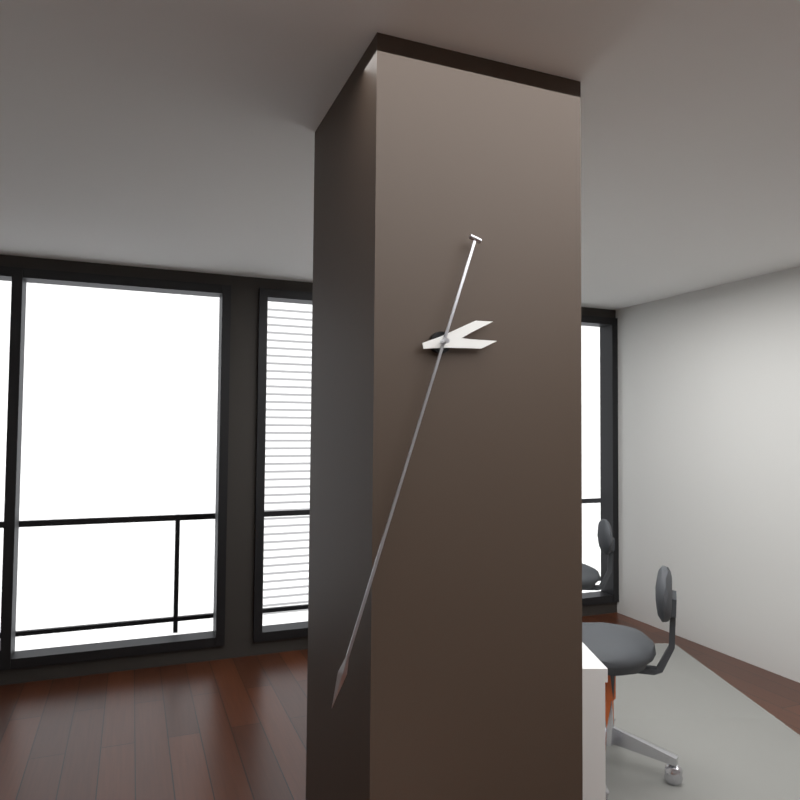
2:33
